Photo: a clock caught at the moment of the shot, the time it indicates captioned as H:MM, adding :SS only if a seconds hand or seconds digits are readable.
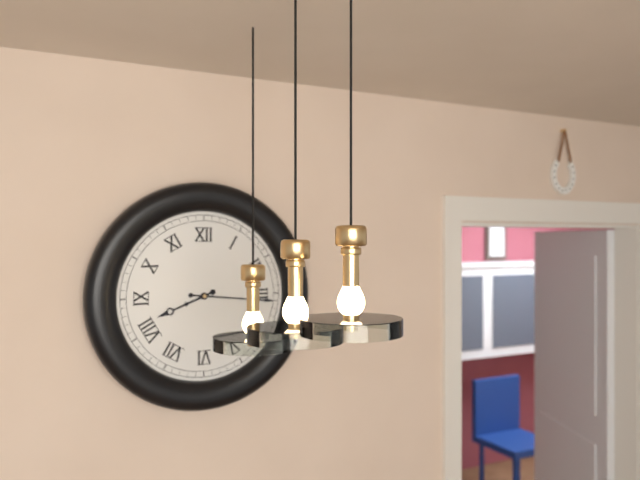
8:16
